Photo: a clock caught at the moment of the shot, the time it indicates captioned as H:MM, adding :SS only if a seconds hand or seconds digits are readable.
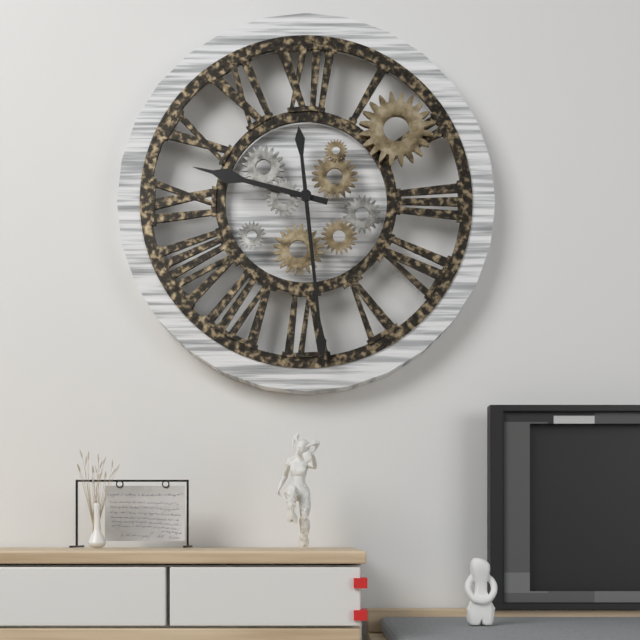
9:29
